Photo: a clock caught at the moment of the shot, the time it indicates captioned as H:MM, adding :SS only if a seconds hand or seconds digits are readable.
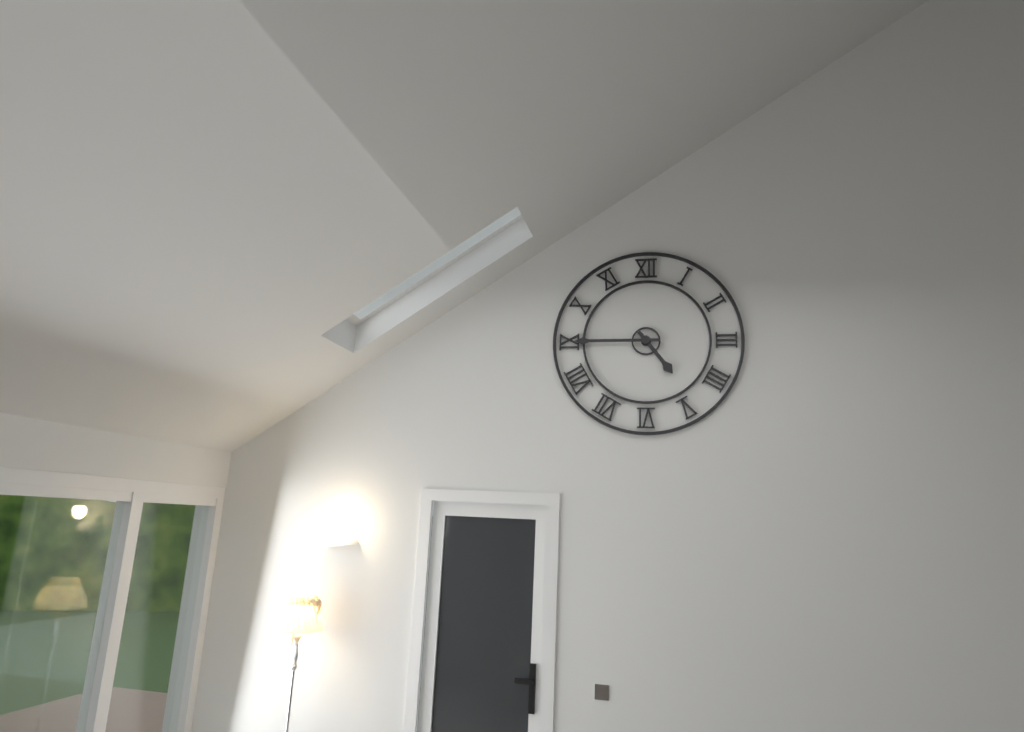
4:45
